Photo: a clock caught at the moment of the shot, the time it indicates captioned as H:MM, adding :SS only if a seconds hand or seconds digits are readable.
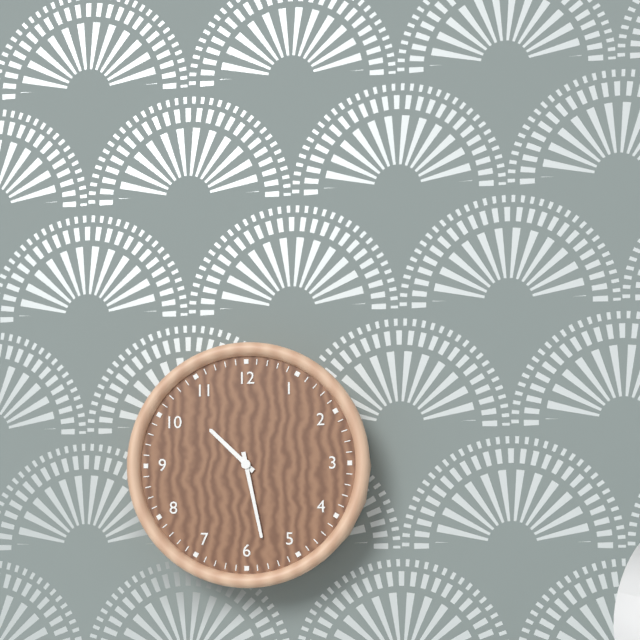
10:28
